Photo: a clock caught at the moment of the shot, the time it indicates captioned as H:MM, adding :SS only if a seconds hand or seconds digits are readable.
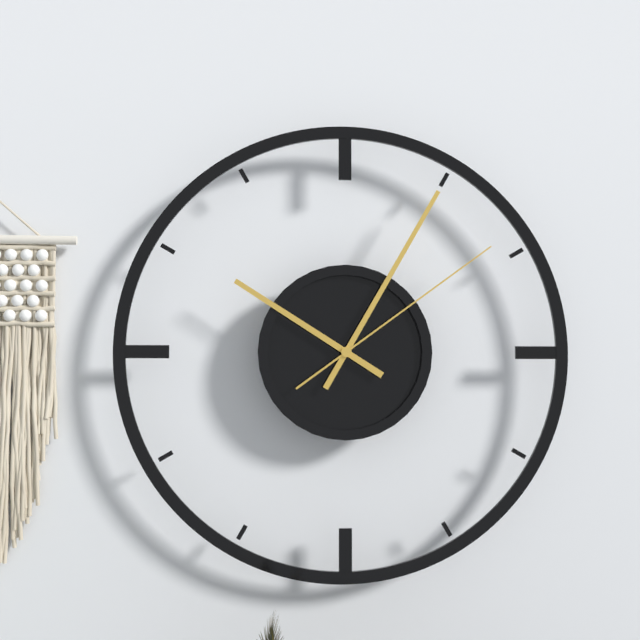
10:05:09
